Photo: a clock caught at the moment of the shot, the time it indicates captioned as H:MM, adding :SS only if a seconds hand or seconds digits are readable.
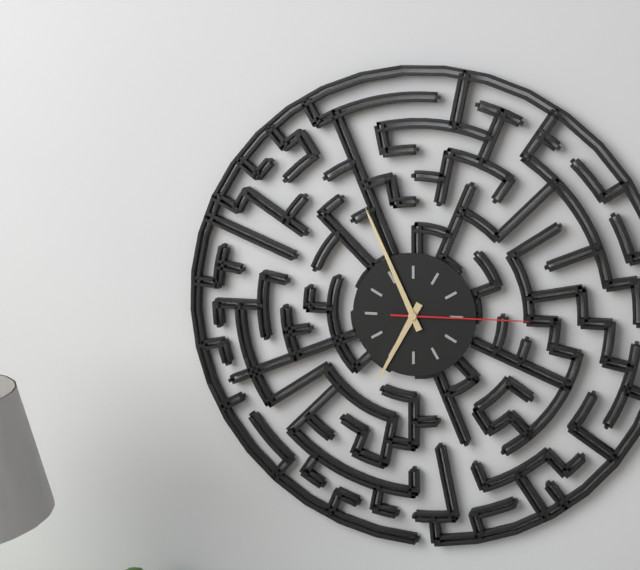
6:56:15
